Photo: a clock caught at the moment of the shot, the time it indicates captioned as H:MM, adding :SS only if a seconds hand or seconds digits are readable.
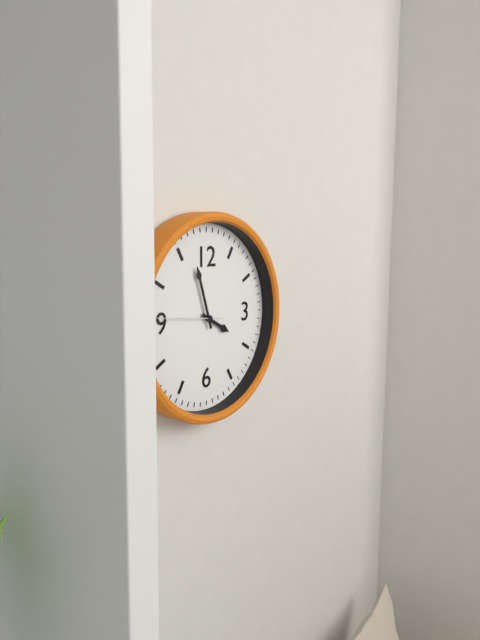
3:57:46
